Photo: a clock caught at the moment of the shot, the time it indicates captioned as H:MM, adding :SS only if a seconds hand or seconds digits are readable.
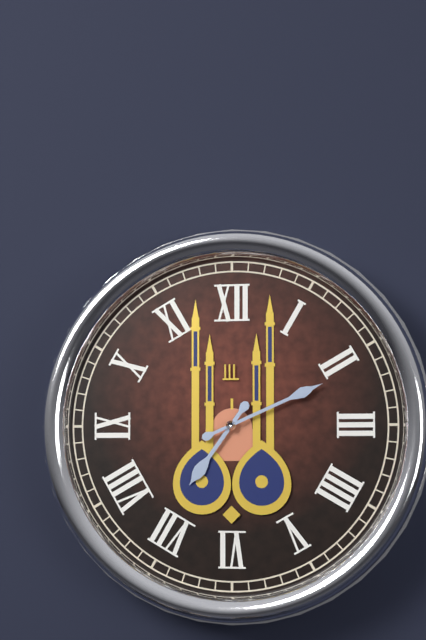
7:11
